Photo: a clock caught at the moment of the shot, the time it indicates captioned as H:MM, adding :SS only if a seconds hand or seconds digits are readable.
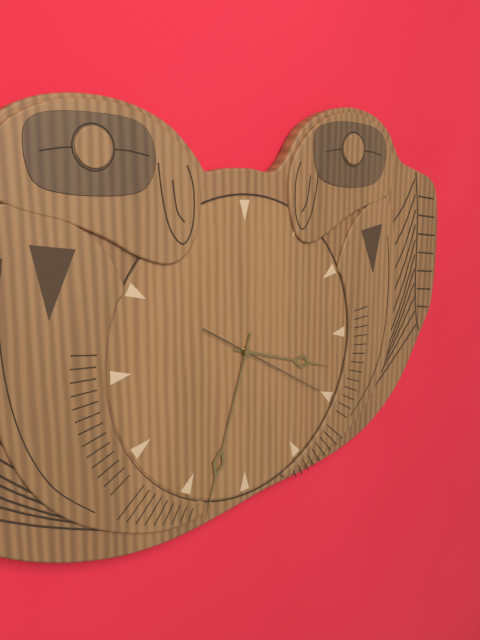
3:33:20
